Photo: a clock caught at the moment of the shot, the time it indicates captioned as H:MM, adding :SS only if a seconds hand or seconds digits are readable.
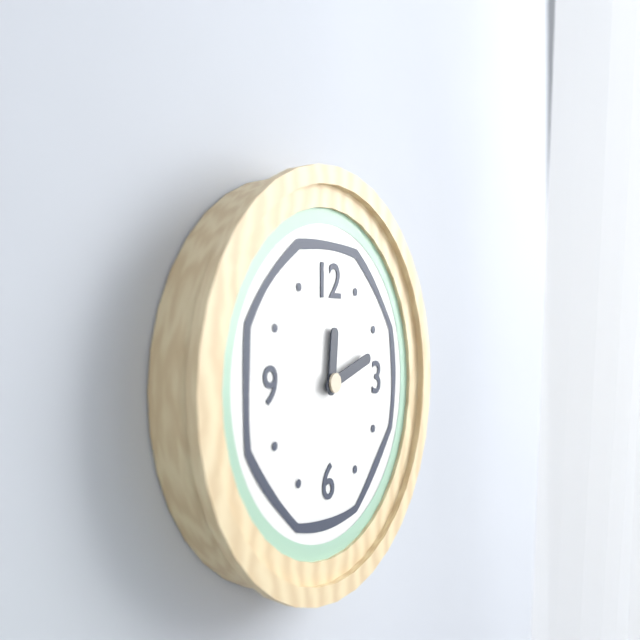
12:12
